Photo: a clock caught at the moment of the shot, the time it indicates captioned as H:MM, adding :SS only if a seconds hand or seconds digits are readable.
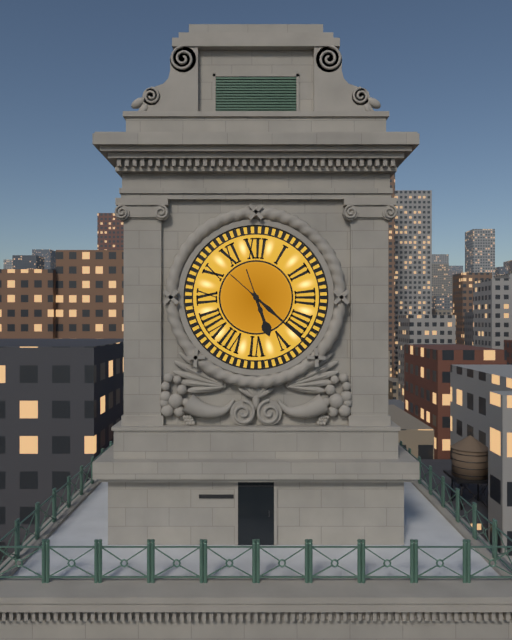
5:22
